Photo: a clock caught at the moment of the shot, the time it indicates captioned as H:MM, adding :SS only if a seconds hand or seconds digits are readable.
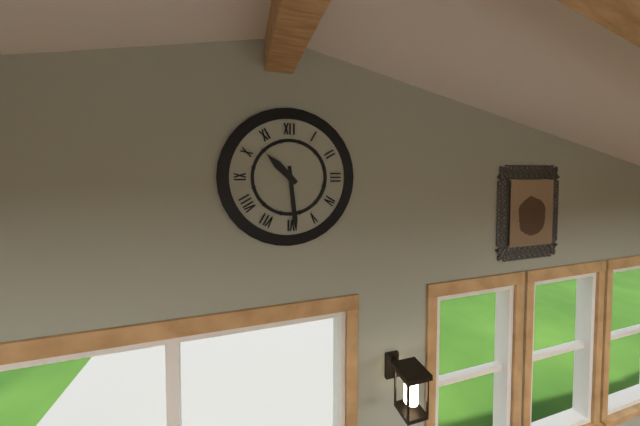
10:29
